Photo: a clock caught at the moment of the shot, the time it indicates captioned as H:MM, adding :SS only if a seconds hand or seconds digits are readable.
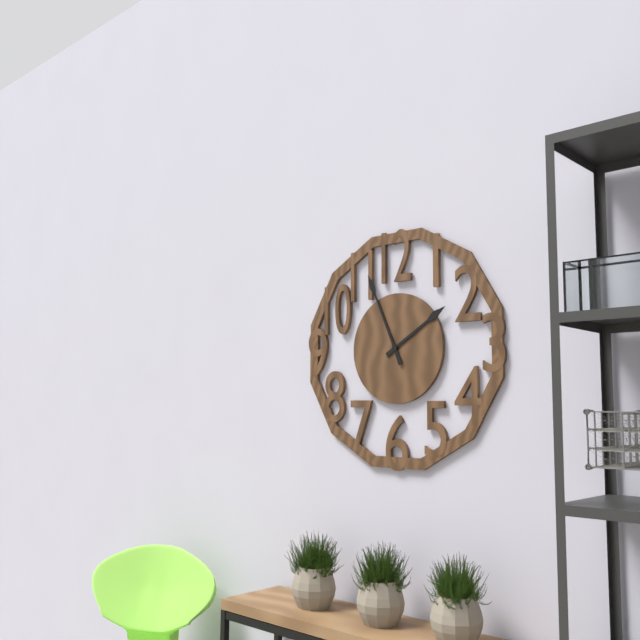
1:56
